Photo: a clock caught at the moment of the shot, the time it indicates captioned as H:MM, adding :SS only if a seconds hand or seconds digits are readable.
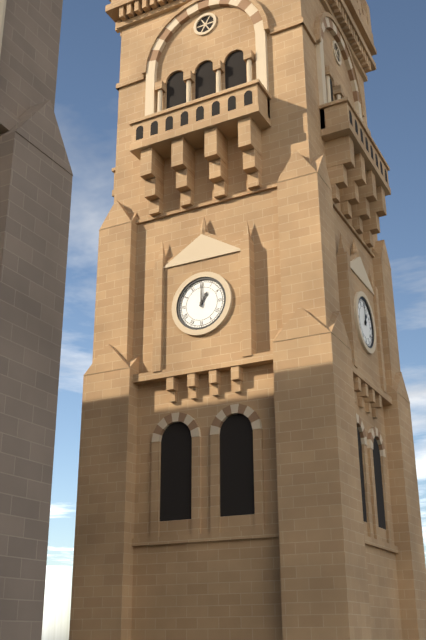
1:00
